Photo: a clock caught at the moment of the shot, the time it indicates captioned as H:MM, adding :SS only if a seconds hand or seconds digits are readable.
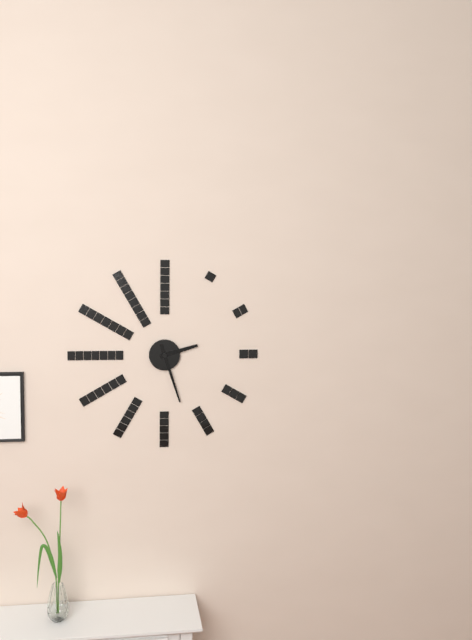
2:27
